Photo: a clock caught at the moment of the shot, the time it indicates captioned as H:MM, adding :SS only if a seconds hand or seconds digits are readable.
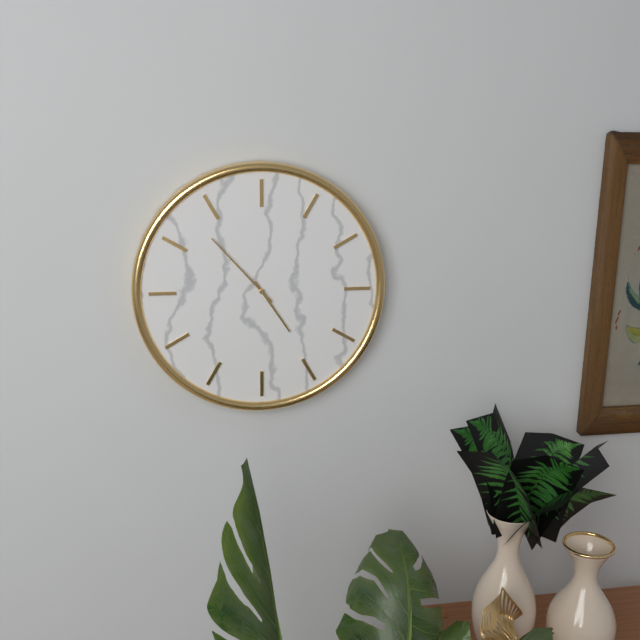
4:53
